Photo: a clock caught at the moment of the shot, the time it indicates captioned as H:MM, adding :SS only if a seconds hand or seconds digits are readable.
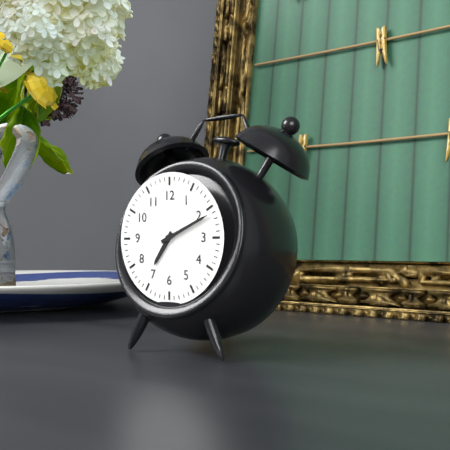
7:11
